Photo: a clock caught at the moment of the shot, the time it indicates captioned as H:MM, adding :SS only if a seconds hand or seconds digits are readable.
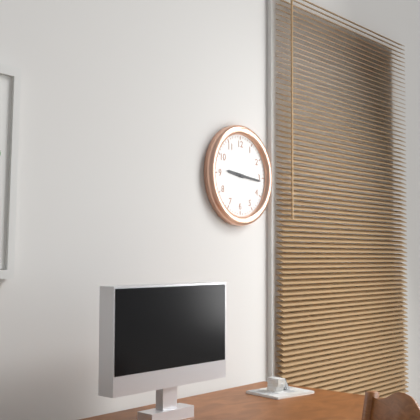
9:16
